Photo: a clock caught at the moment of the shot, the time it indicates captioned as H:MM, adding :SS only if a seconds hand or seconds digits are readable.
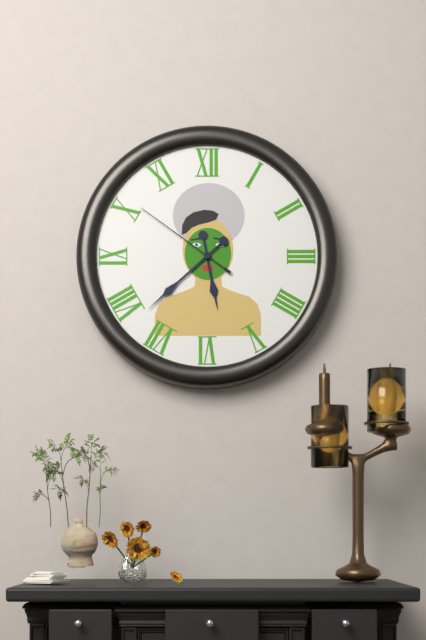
5:38:51
